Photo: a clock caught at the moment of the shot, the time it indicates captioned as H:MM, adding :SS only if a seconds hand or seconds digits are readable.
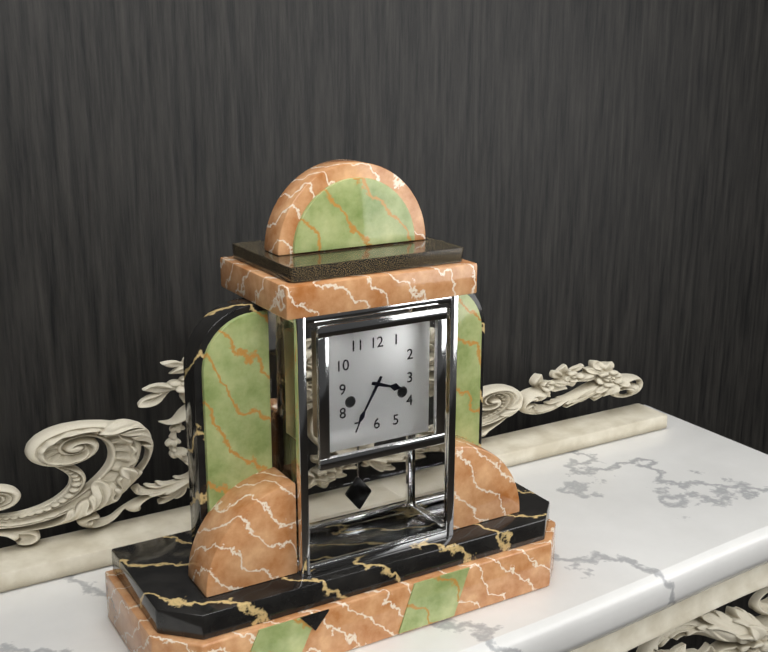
3:35
